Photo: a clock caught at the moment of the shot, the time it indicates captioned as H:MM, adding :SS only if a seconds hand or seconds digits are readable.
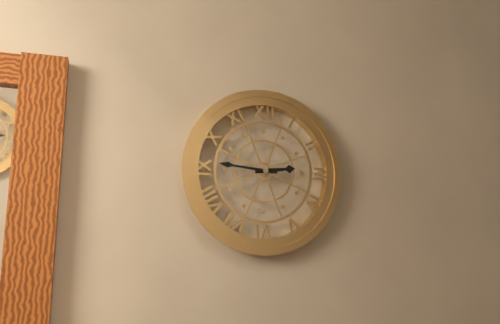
2:46
